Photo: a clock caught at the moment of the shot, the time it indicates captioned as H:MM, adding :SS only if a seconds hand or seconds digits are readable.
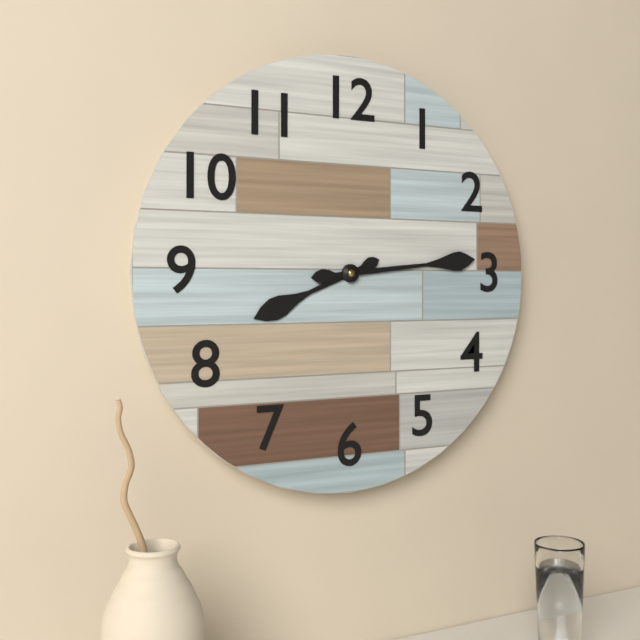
8:14
